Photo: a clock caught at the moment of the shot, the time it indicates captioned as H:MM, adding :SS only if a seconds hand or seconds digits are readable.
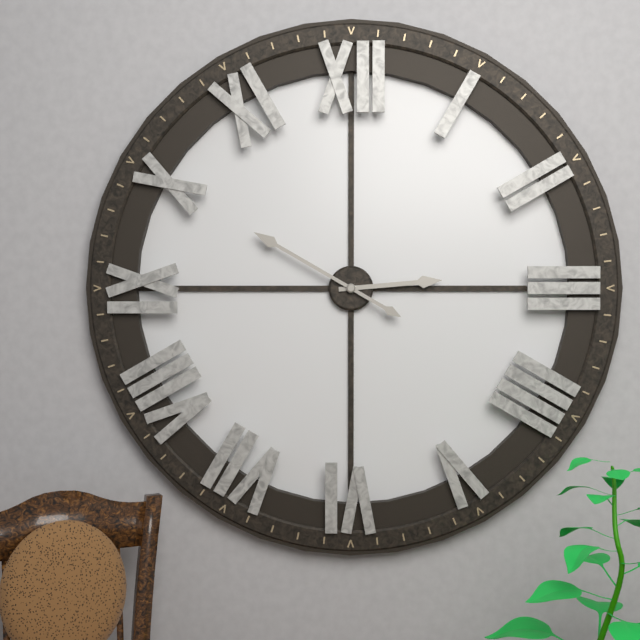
2:50
